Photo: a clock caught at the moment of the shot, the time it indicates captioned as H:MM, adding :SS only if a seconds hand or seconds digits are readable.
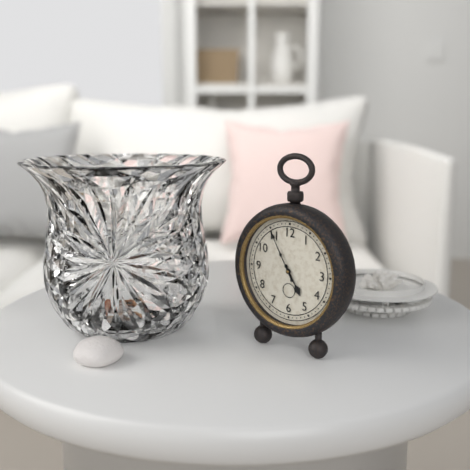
4:55
